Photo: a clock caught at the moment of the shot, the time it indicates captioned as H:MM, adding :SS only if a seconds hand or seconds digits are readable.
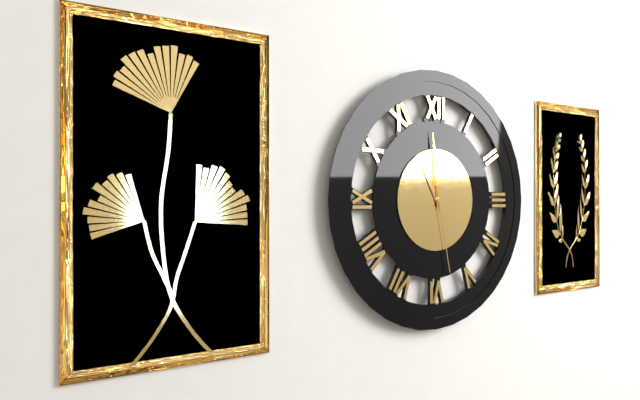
10:59:28
